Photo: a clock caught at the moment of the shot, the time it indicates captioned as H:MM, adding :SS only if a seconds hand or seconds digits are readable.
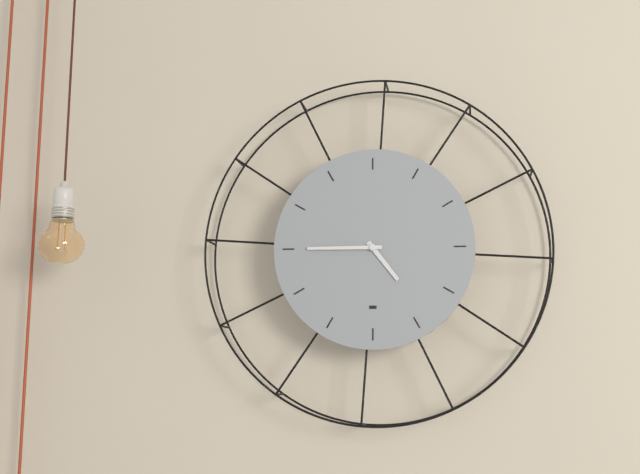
4:45
